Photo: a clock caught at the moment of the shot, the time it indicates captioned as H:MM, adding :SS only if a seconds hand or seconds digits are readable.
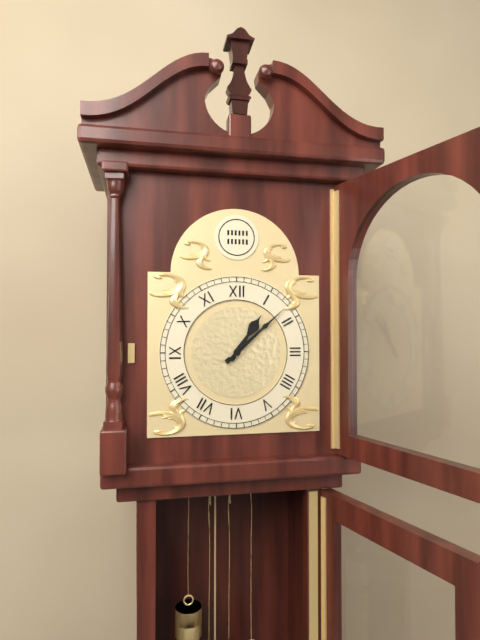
1:08
